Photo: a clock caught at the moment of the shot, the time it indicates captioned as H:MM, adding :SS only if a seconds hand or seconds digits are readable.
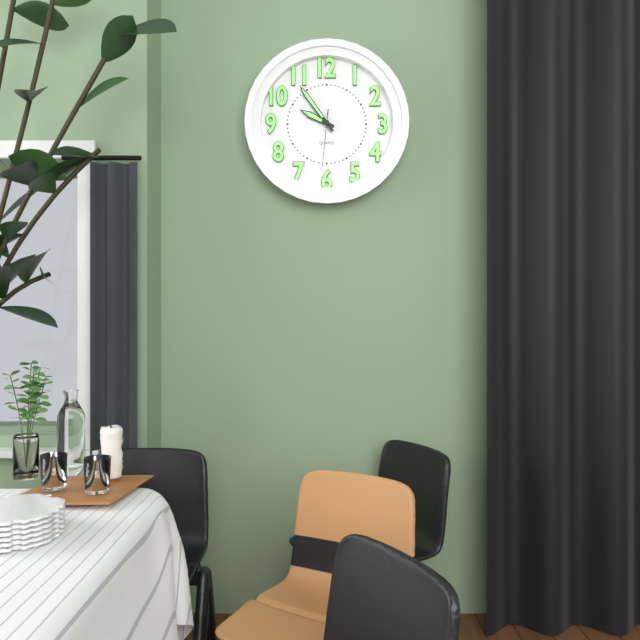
9:54:31
